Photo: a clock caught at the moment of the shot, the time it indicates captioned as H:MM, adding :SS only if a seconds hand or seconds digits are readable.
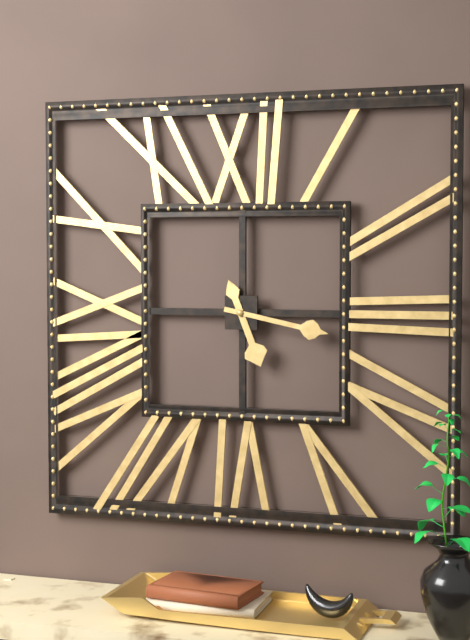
5:17
